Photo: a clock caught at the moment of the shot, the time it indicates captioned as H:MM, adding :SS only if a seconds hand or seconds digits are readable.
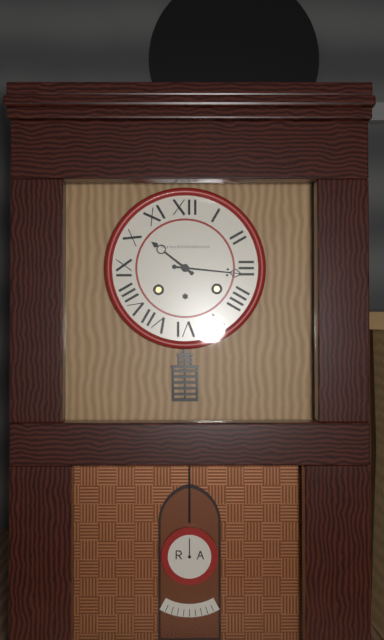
10:16
